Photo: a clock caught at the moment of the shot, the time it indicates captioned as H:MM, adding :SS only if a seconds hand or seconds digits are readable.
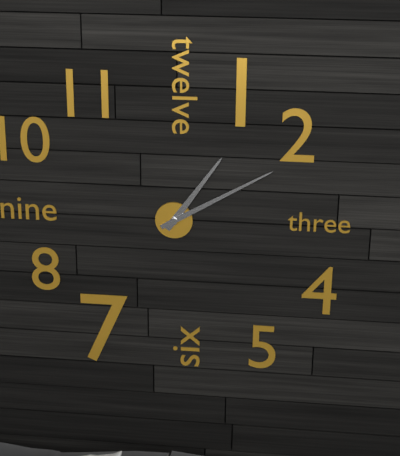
1:10
